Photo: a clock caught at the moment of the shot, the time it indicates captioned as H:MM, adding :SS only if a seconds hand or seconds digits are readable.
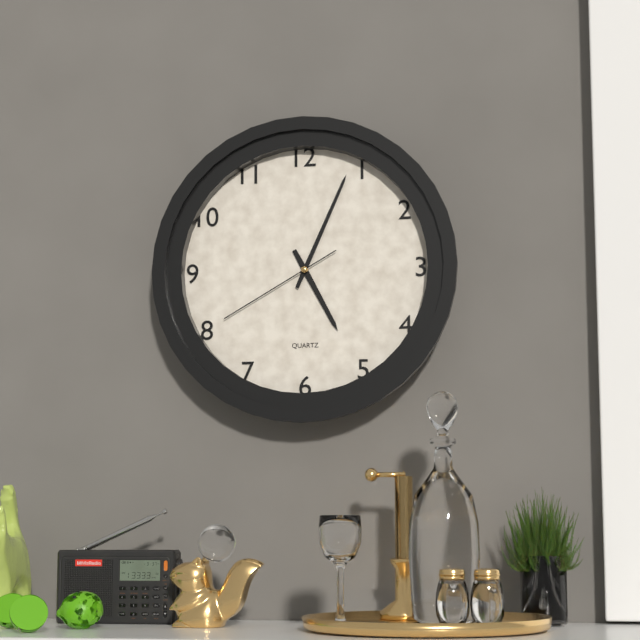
5:04:40
